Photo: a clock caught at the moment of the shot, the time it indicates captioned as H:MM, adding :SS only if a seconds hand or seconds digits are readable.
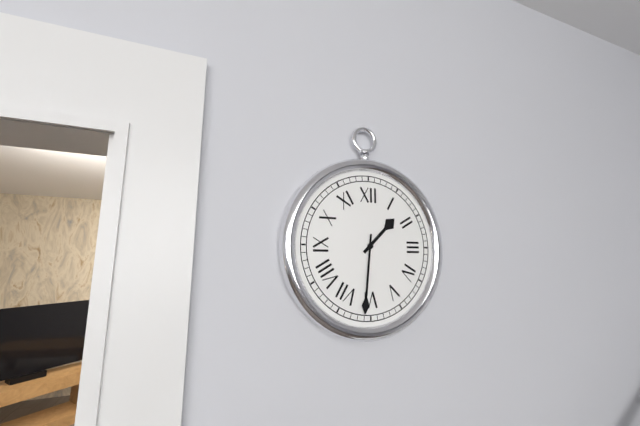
1:31
